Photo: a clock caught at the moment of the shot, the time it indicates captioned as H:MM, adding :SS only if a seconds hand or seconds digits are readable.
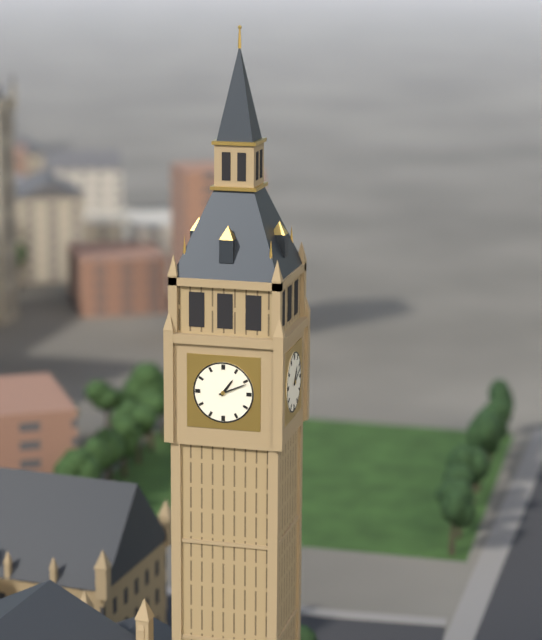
1:11
